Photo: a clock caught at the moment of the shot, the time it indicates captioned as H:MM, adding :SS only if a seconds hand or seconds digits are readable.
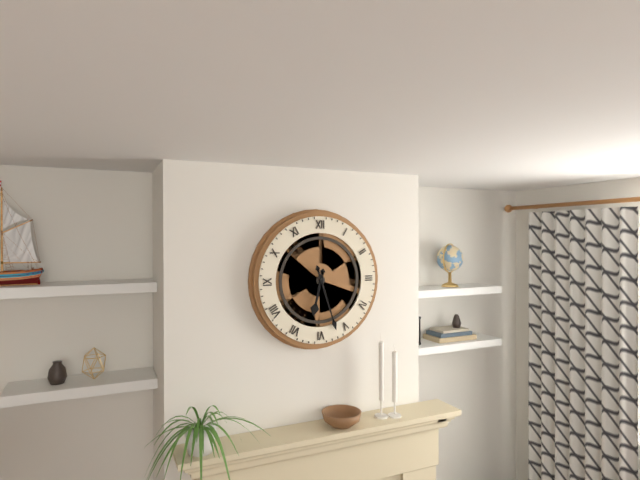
6:27
